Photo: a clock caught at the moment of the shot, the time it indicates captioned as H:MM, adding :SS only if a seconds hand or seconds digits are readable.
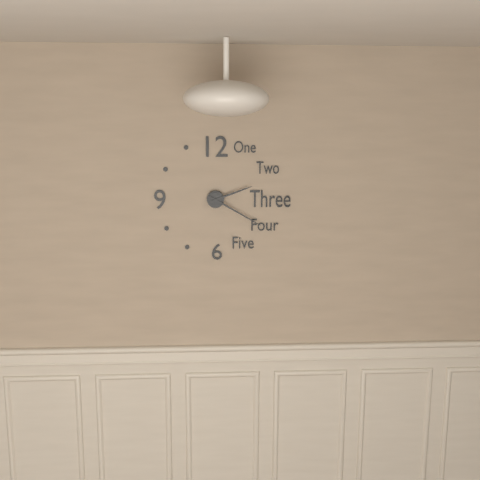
2:20
